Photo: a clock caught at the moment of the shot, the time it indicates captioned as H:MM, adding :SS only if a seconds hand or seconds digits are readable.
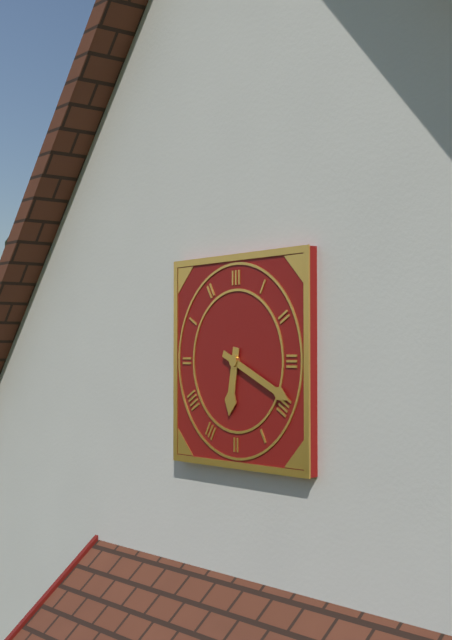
6:19
